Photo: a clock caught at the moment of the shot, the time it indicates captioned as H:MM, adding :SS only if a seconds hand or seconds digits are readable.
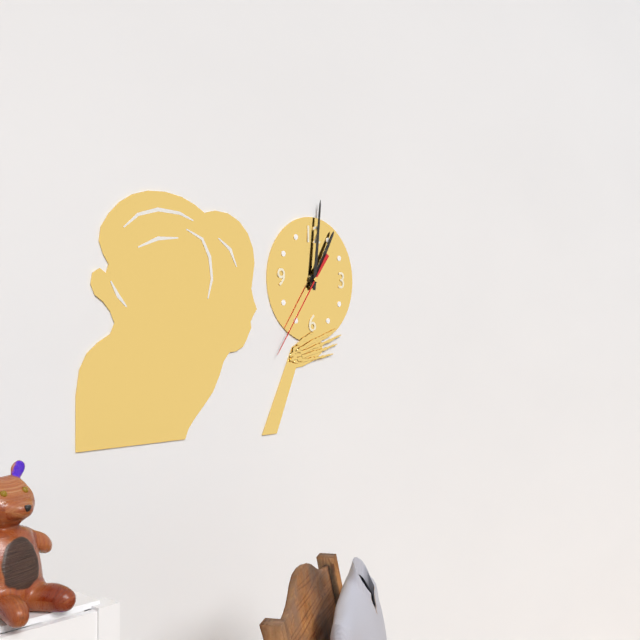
1:01:36
